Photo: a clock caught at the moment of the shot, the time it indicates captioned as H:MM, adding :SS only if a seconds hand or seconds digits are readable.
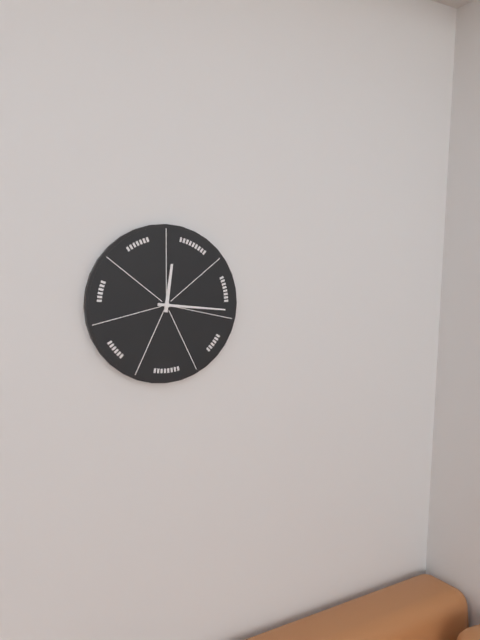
12:16
